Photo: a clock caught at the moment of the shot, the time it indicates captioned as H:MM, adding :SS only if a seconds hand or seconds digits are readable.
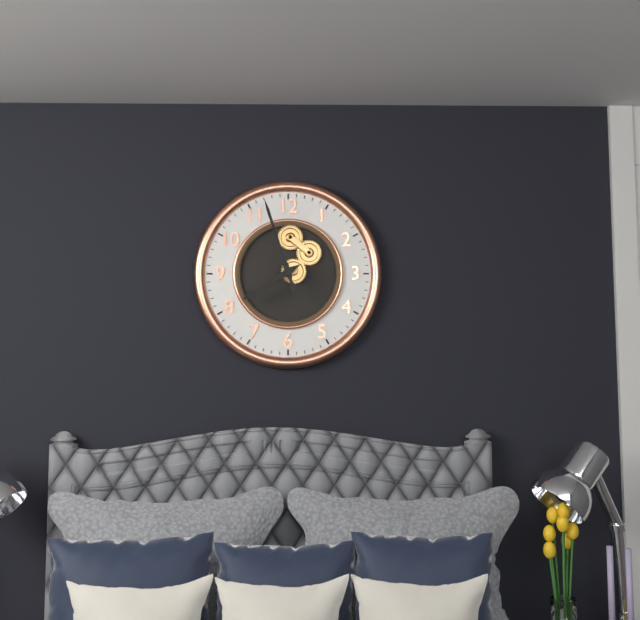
7:57
